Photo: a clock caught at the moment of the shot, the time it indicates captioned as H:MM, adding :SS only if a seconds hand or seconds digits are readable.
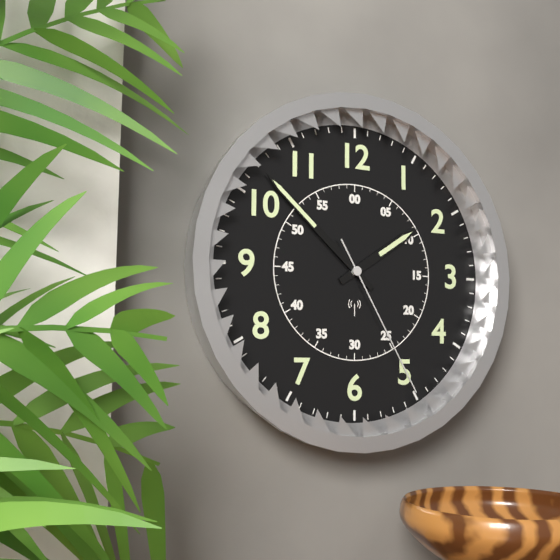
1:52:25
